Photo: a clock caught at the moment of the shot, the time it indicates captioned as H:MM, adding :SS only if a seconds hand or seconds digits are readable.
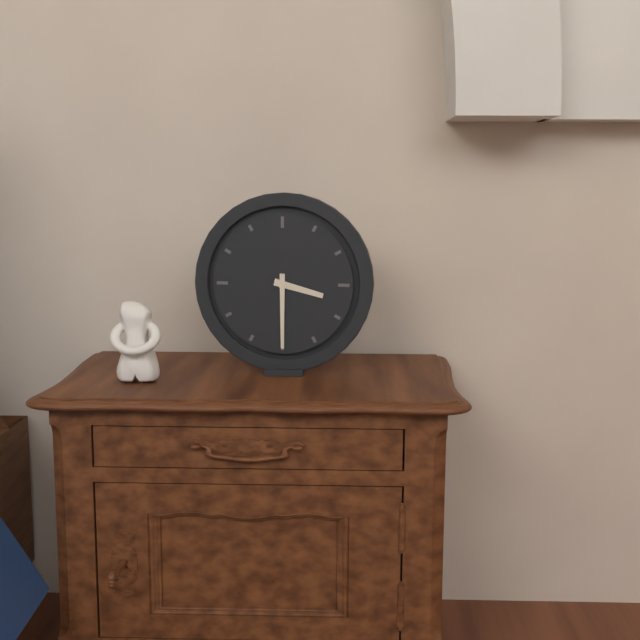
3:30
